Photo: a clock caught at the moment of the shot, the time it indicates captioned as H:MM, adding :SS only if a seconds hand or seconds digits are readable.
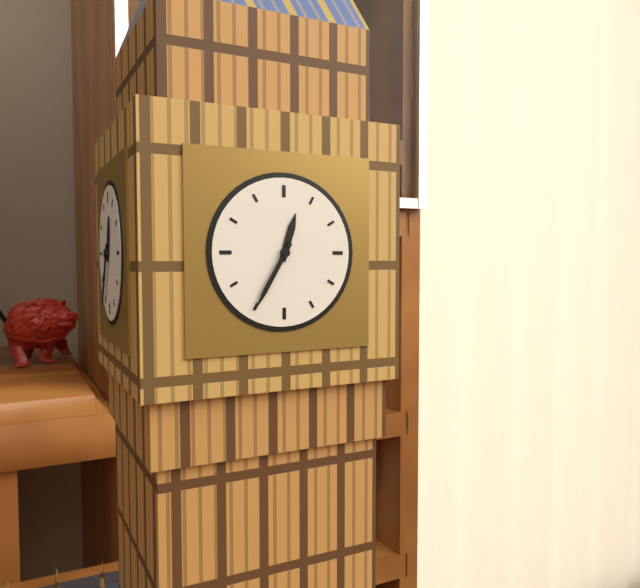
12:35
